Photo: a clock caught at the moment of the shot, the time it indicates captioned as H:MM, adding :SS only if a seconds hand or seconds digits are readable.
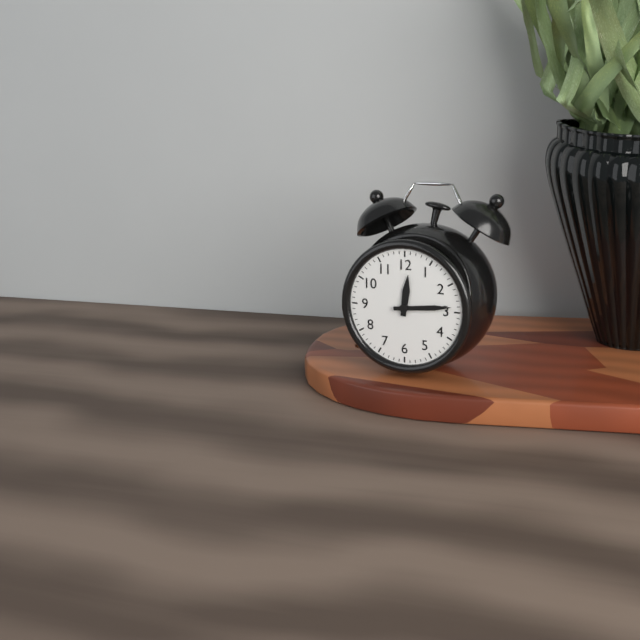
12:14
